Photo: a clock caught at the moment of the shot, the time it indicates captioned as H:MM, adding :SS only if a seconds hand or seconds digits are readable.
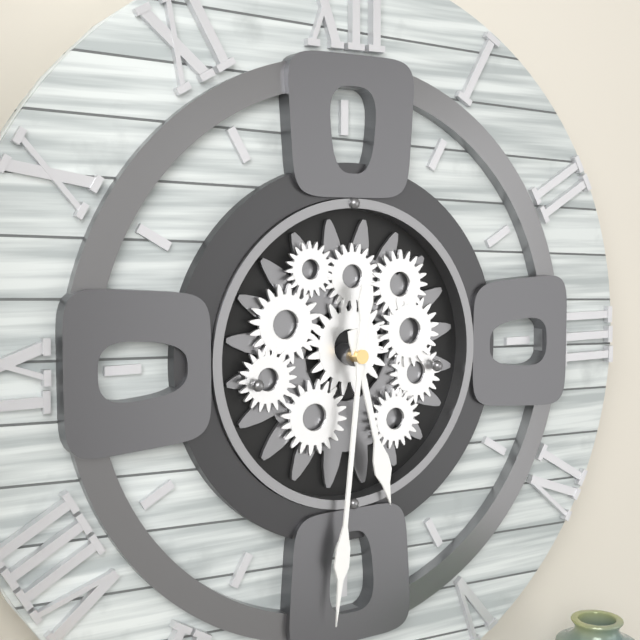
5:31
